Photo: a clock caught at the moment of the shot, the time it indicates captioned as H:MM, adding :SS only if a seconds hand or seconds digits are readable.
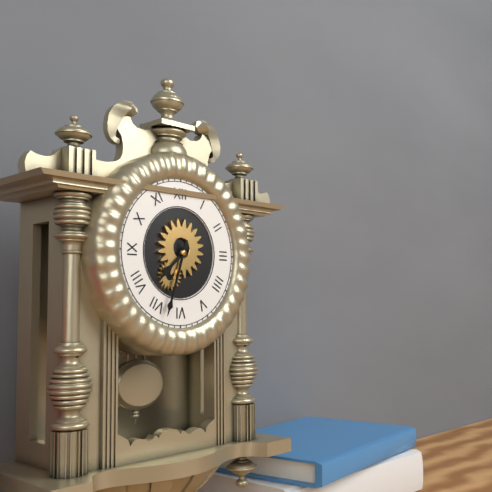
7:33
